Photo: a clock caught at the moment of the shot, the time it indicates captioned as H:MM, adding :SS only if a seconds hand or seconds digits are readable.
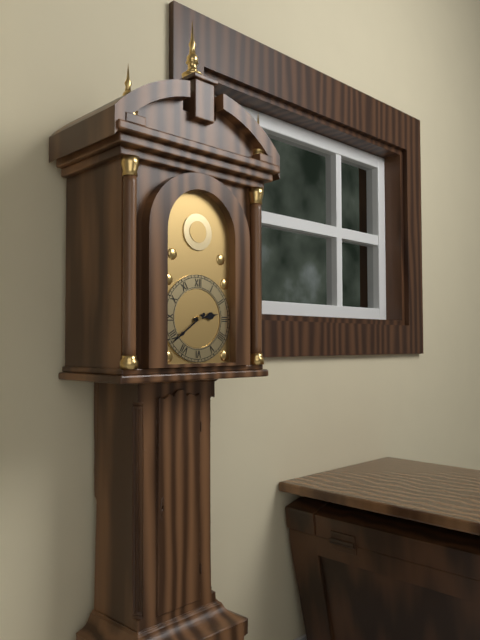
2:39
